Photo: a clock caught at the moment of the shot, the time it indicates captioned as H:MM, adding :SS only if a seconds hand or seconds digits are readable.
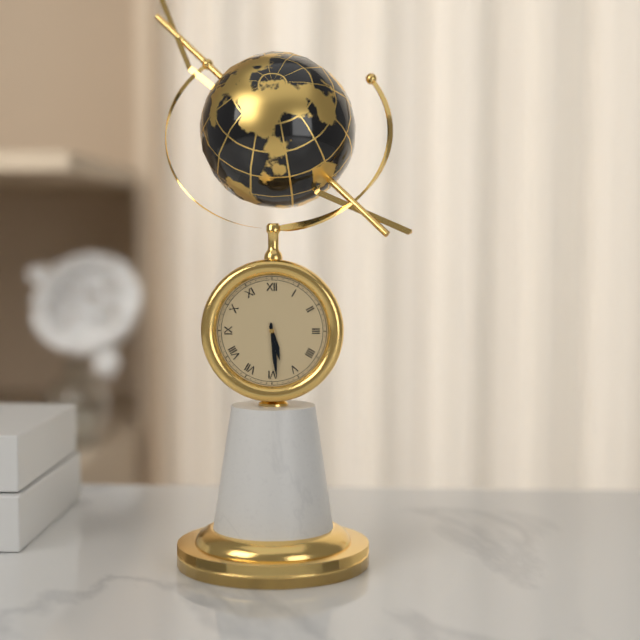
5:29
